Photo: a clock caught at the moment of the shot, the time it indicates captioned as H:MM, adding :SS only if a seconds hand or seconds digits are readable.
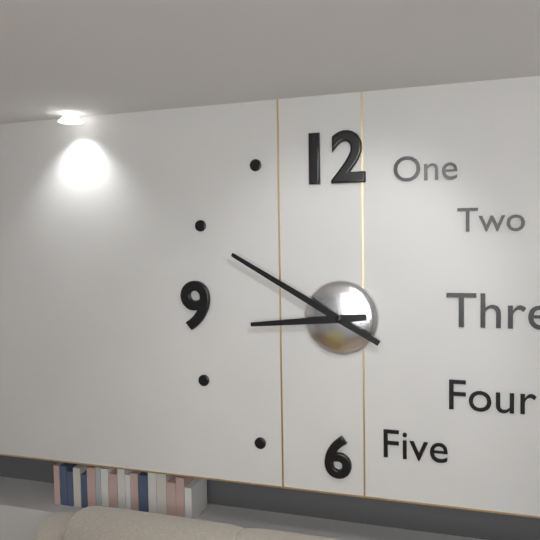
8:50
